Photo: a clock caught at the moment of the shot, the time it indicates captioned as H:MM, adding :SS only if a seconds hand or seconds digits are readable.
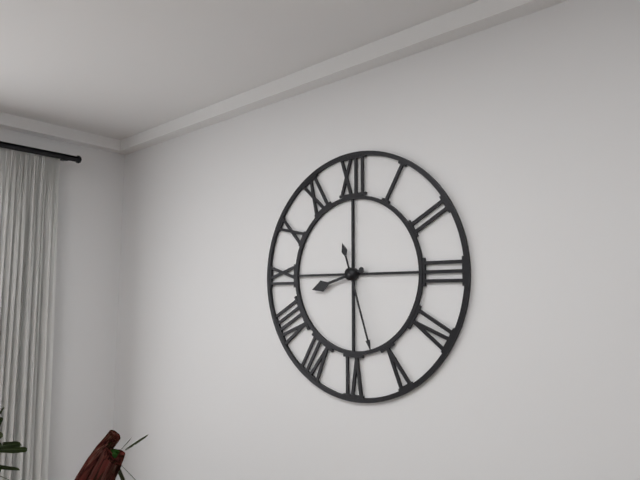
8:27
